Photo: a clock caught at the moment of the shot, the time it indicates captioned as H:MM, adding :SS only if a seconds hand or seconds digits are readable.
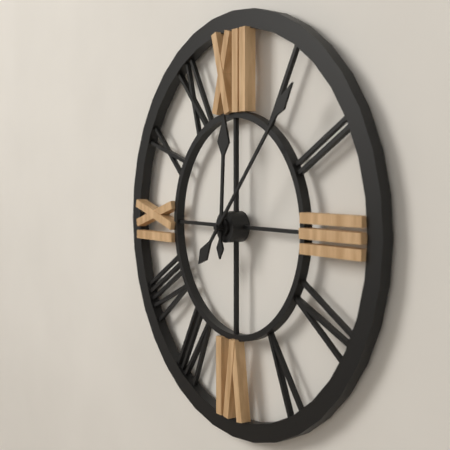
12:07
